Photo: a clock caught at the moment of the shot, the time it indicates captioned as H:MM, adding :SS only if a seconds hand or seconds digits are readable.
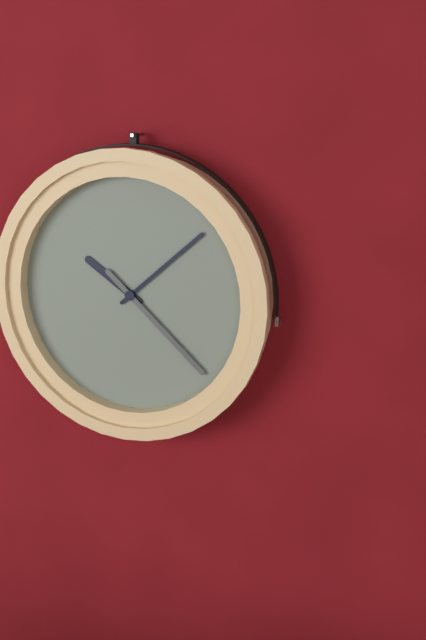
10:08:22
